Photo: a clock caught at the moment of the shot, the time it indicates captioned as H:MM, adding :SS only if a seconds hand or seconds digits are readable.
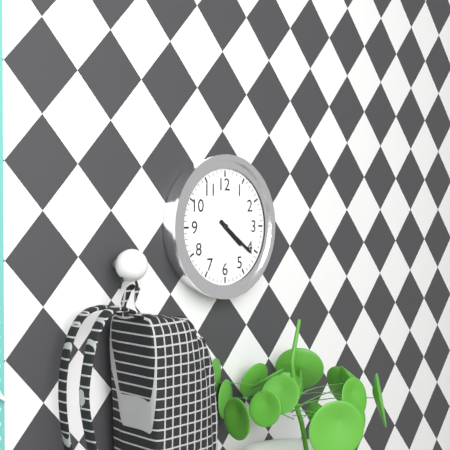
4:21
